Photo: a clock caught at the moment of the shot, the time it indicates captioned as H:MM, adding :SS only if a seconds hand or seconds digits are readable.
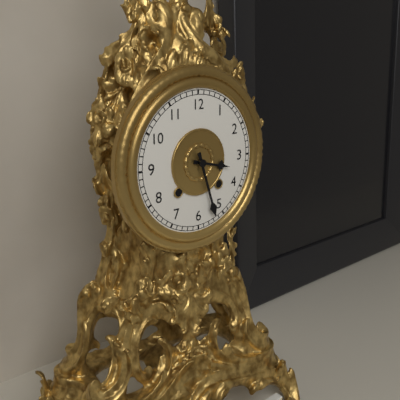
3:27
